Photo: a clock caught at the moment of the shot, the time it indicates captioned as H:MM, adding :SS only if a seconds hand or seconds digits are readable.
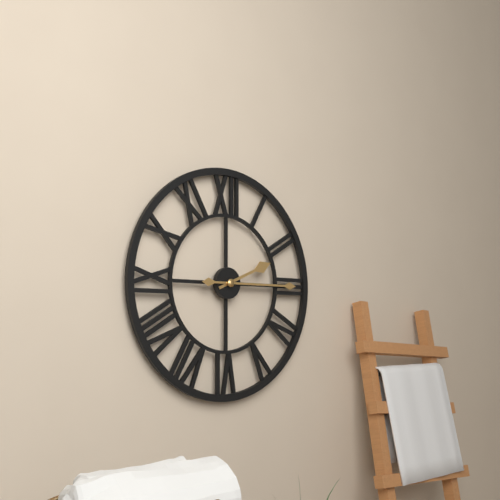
2:15
